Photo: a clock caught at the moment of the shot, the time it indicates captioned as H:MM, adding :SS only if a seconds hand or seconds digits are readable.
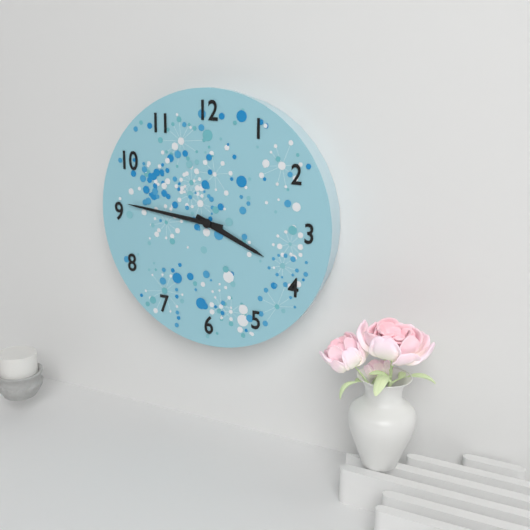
3:46
